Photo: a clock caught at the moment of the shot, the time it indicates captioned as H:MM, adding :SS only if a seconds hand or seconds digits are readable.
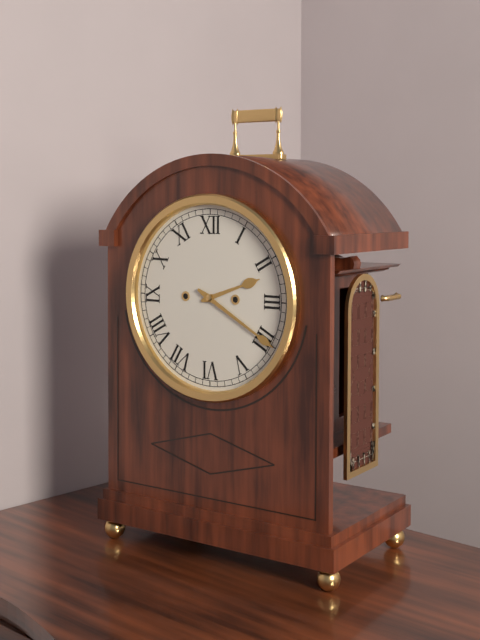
2:20
